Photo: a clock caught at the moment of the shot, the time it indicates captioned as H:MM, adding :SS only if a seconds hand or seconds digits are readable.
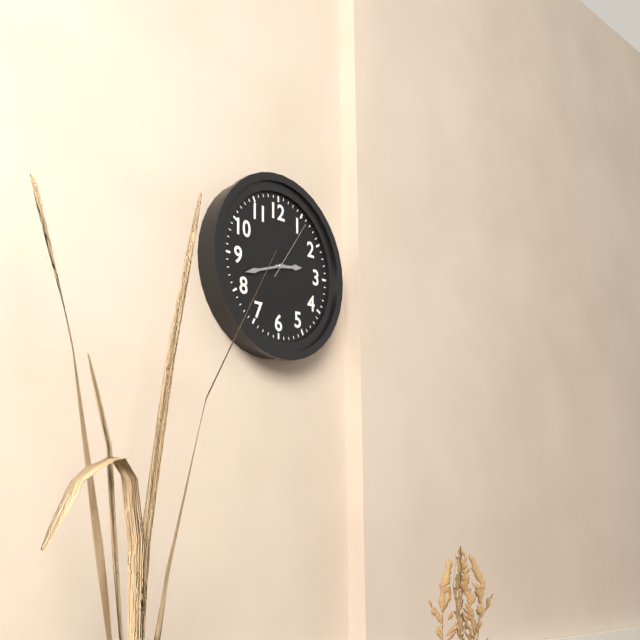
2:42:06
